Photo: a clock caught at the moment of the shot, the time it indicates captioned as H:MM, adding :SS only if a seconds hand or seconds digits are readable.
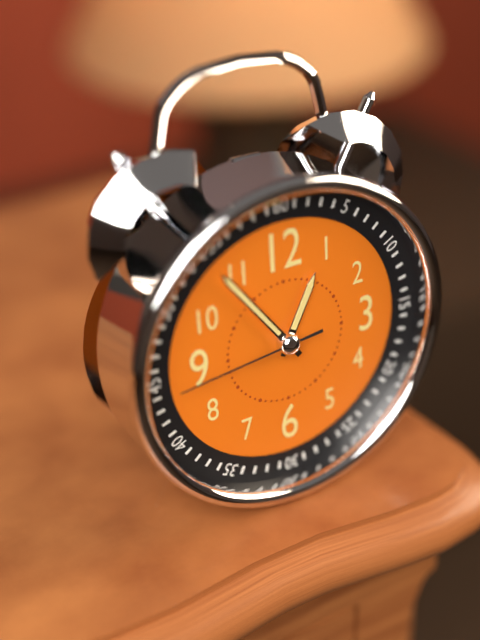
12:54:44
